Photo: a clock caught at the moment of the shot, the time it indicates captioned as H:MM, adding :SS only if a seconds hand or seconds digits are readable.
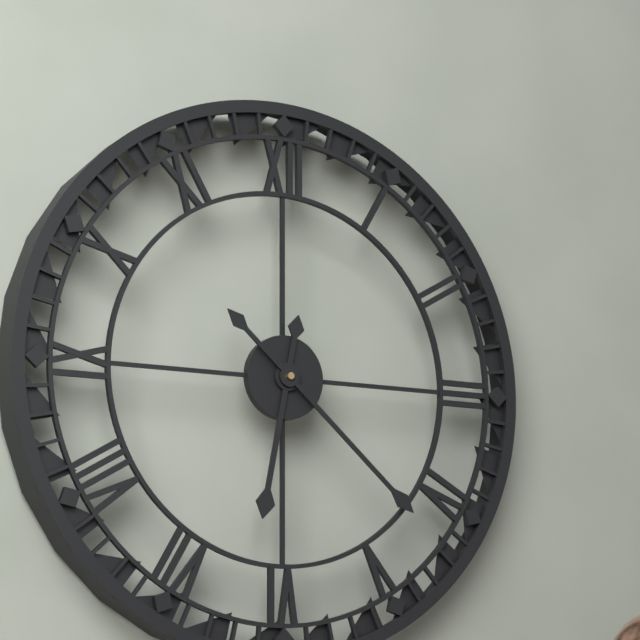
6:22
